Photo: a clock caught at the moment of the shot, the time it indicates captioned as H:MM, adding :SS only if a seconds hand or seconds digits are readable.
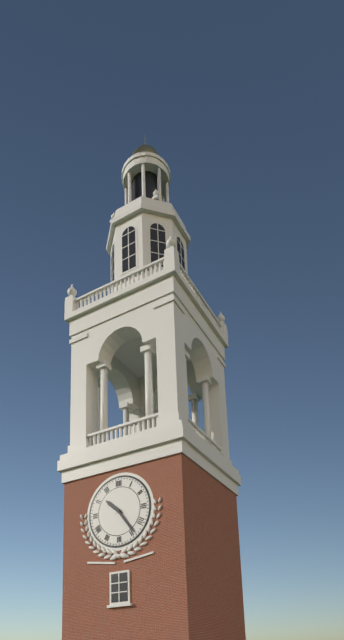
10:24
